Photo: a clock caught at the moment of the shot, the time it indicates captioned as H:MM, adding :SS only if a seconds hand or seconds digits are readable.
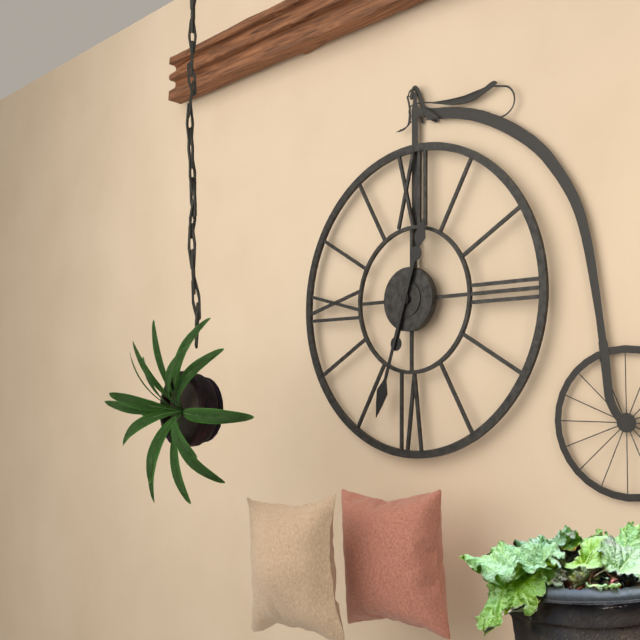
12:33
